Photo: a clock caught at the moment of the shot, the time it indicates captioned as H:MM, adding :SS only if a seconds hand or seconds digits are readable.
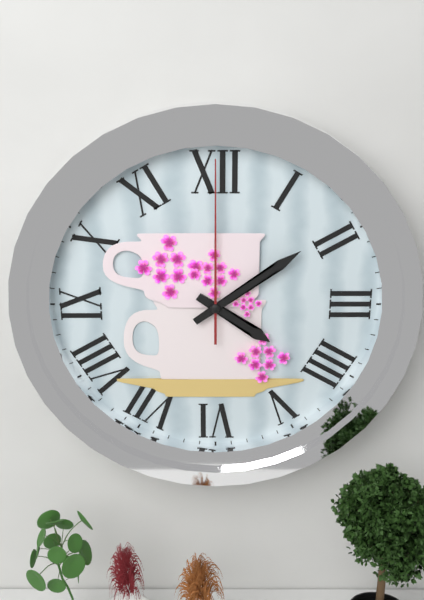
4:09:00
